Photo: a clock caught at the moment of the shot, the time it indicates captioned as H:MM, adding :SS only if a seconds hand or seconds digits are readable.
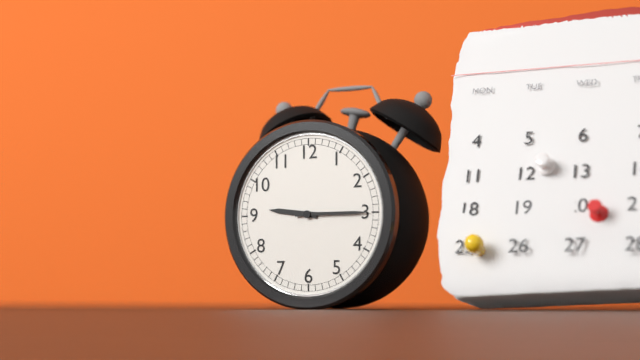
9:15
